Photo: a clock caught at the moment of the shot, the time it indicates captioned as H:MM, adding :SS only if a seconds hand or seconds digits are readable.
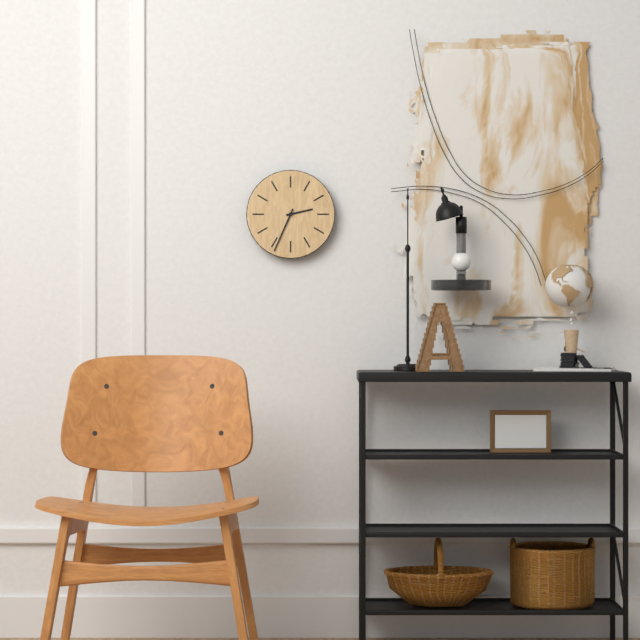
2:34
